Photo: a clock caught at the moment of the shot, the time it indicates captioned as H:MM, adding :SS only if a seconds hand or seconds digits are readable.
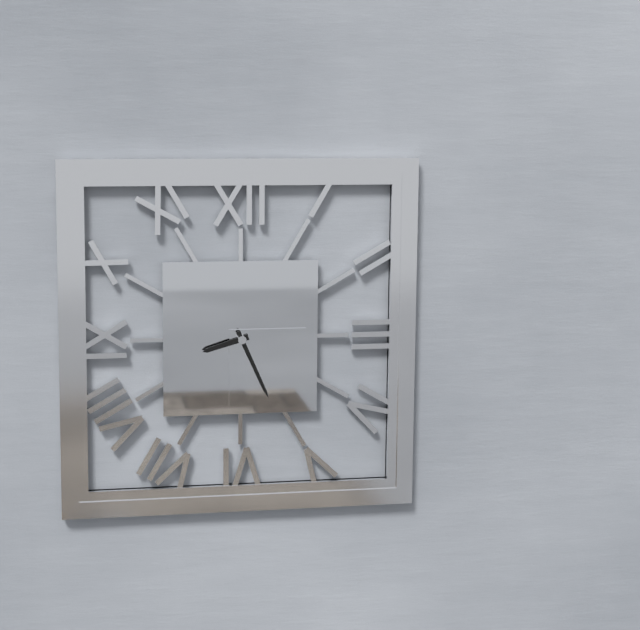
8:26
